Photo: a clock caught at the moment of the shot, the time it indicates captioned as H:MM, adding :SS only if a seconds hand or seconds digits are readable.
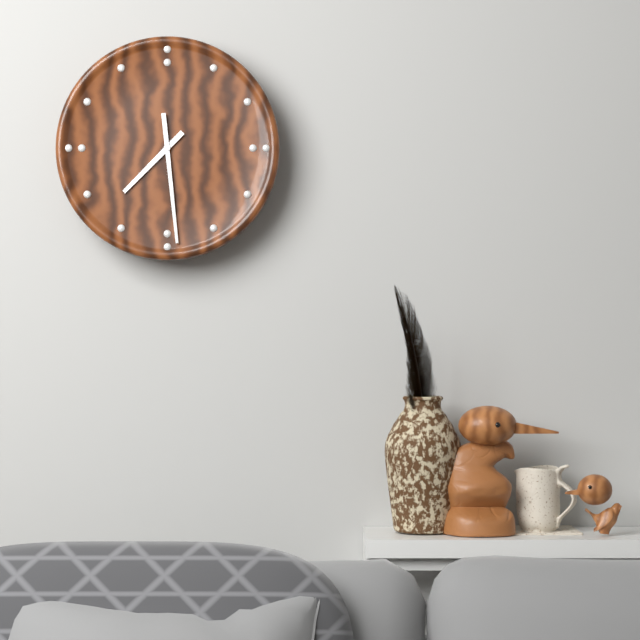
7:29
